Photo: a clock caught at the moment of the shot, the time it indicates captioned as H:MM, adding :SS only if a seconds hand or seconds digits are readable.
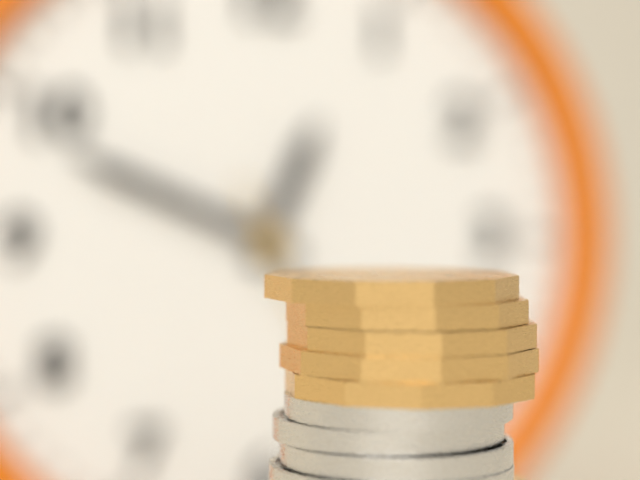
12:49
